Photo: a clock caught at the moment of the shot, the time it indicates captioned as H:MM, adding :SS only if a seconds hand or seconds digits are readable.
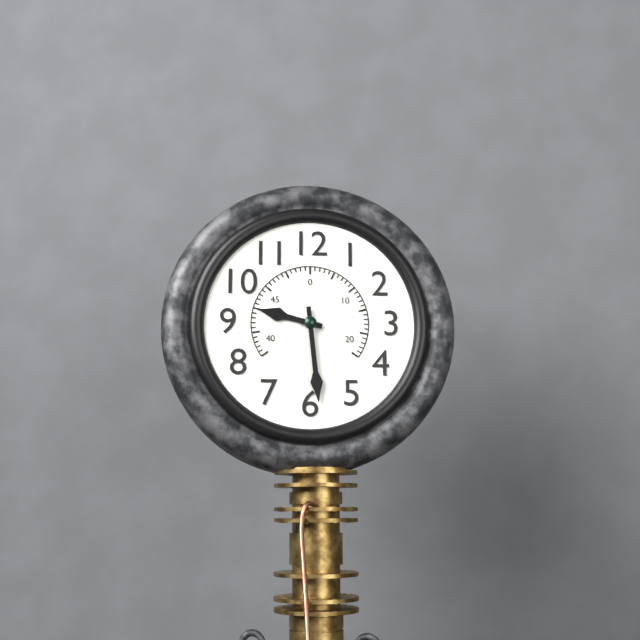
9:29
